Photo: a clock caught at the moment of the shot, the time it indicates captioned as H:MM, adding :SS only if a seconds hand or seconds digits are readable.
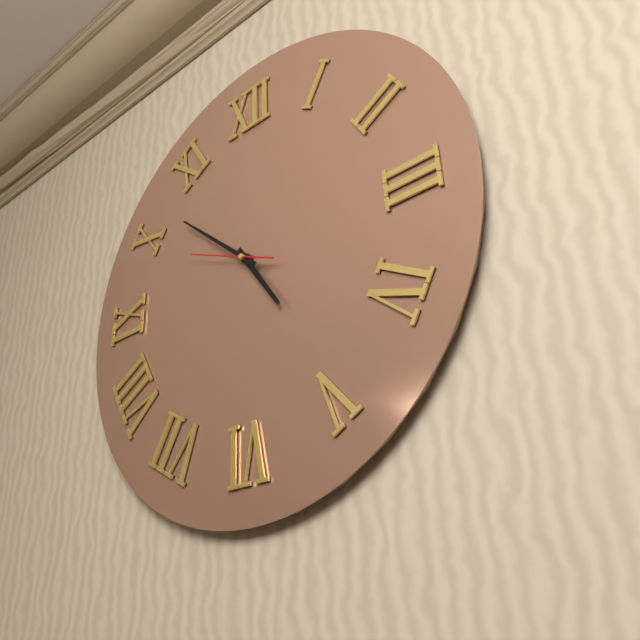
4:52:49
